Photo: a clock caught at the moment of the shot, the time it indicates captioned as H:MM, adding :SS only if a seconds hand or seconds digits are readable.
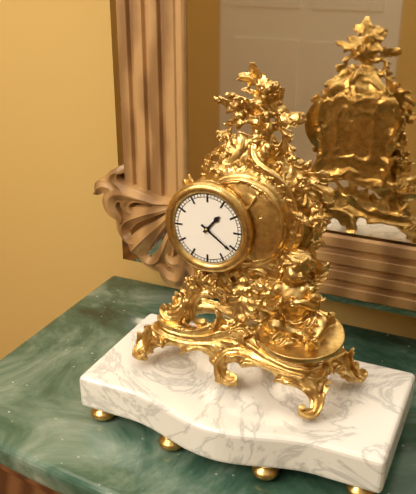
1:21
